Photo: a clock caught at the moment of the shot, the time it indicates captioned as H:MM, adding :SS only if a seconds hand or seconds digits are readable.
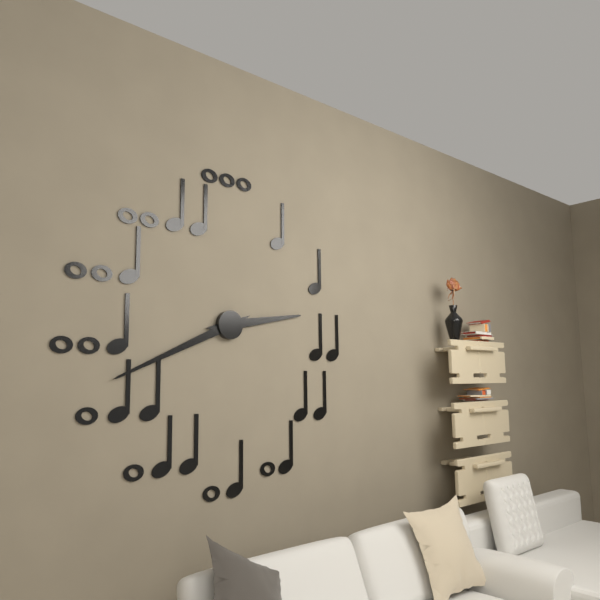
2:41
